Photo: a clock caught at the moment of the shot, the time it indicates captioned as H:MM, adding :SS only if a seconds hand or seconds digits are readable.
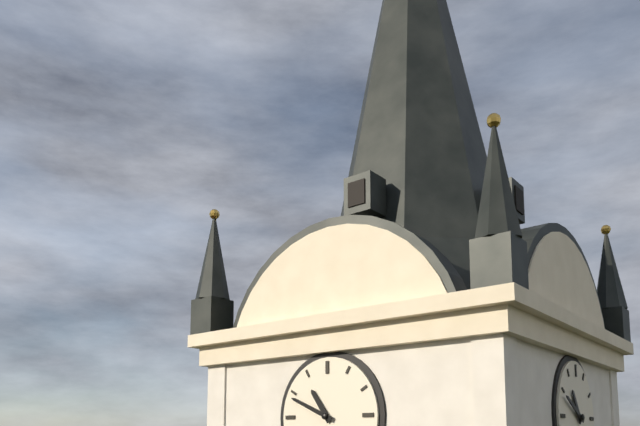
10:49
